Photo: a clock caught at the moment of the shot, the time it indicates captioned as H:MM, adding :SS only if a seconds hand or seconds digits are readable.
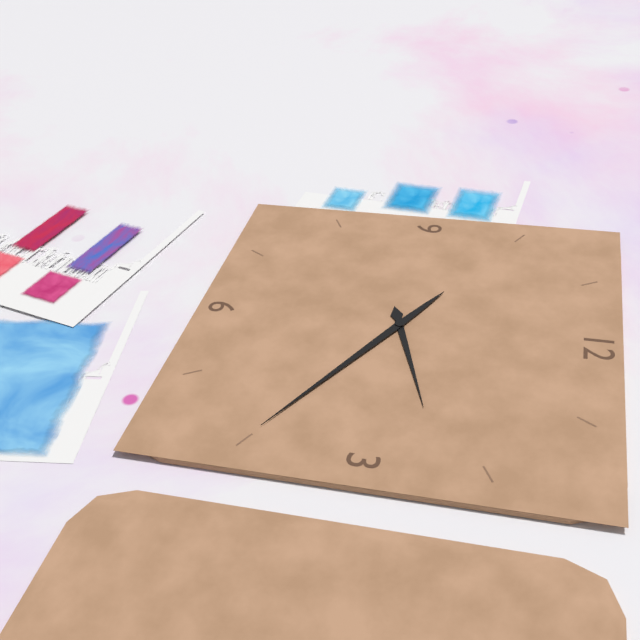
2:20
